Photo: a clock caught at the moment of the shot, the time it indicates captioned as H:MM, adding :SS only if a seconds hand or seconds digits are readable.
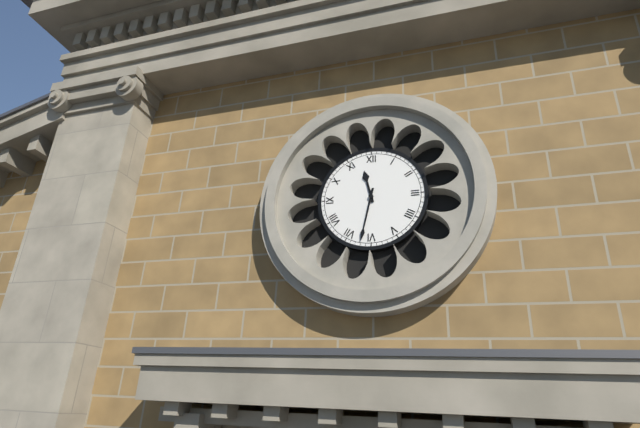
11:32
